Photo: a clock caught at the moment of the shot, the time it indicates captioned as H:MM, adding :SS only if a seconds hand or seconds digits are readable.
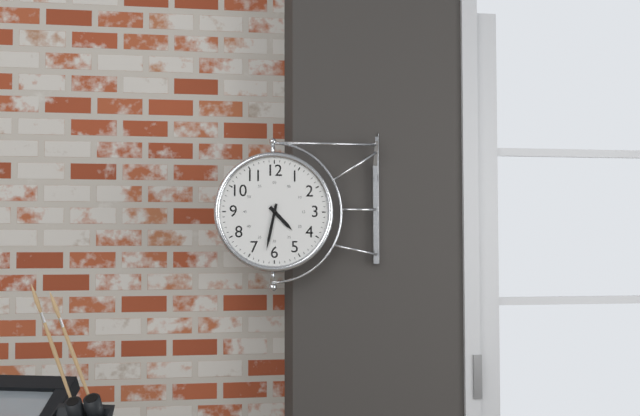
4:32
